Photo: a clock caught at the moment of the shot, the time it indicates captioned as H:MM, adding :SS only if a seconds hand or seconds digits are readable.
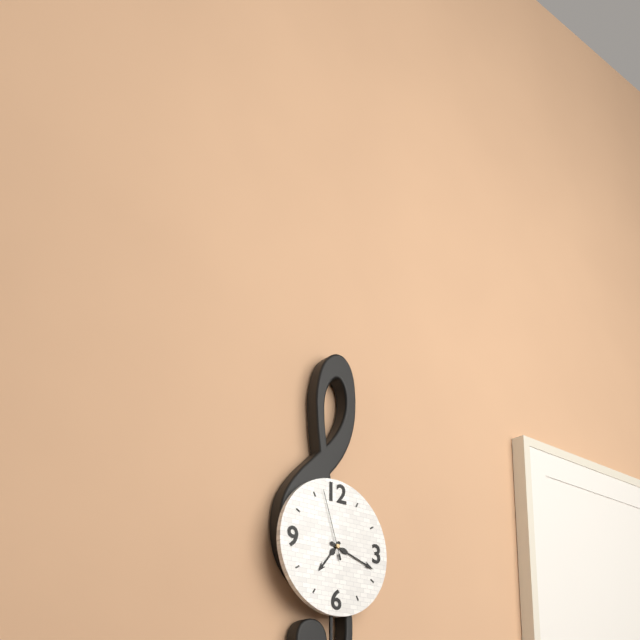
7:18:57
